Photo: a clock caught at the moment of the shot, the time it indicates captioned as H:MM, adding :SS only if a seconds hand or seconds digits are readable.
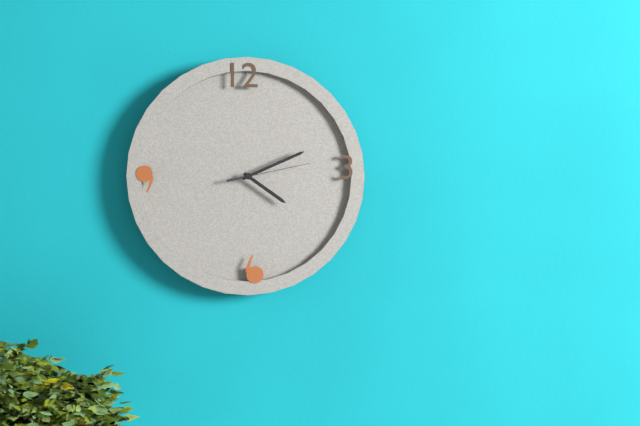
4:11:13
